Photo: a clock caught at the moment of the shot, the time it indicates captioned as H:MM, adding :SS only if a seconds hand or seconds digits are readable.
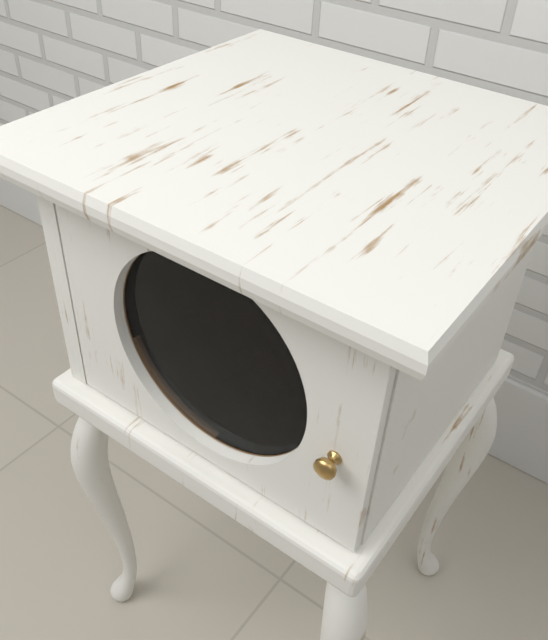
1:31:05
